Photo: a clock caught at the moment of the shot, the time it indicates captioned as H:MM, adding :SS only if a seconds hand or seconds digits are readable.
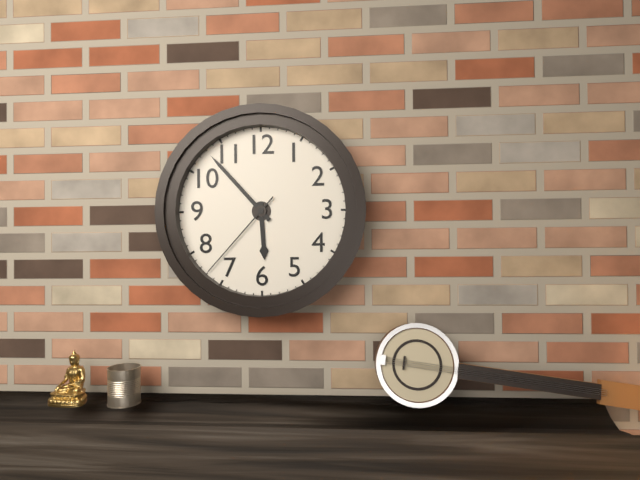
5:53:37
